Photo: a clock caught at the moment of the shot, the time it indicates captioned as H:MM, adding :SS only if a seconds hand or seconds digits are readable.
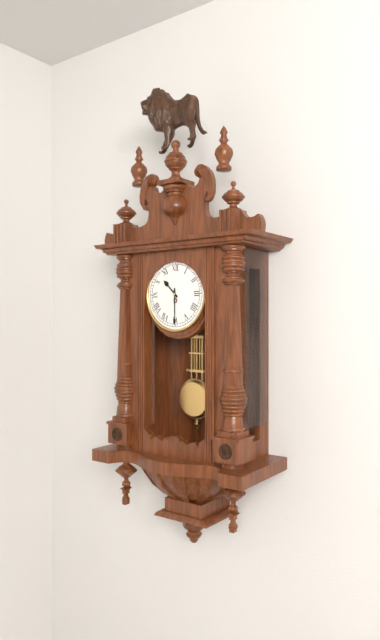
10:30
